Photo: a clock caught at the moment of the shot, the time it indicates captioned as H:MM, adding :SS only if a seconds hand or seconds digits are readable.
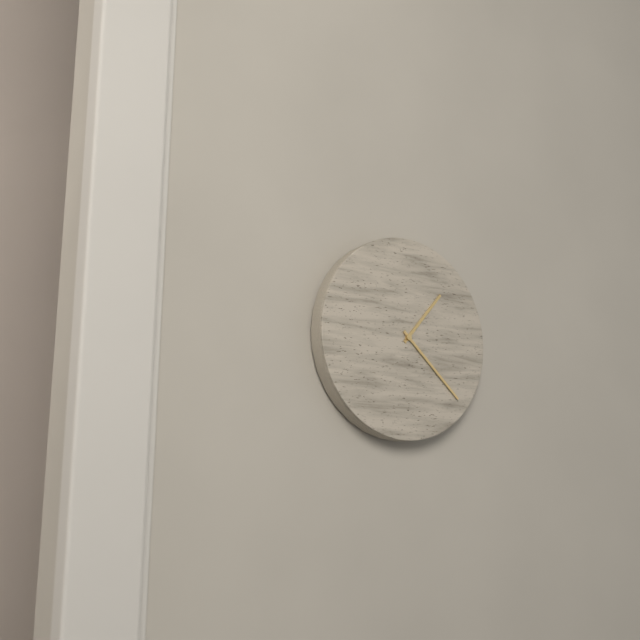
1:22
